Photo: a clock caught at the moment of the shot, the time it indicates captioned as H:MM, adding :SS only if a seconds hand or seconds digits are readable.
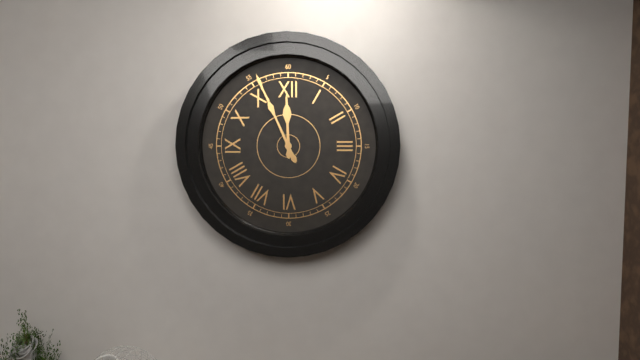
11:56
